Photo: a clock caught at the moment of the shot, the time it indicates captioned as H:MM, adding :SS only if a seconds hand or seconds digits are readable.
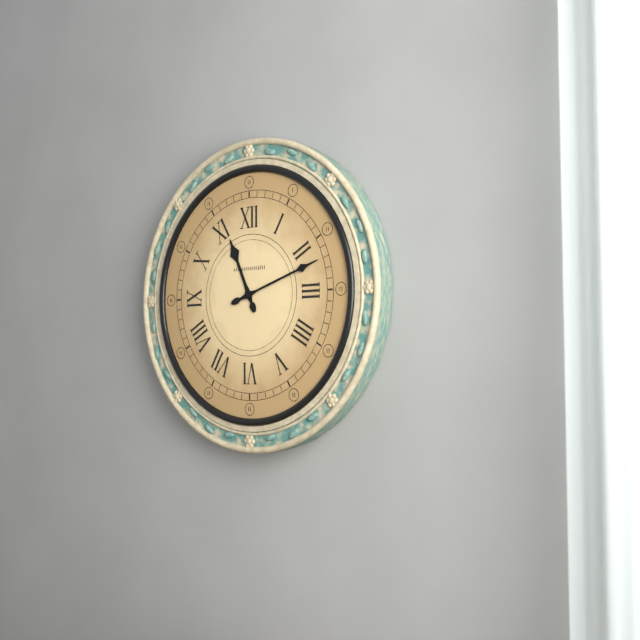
11:12
